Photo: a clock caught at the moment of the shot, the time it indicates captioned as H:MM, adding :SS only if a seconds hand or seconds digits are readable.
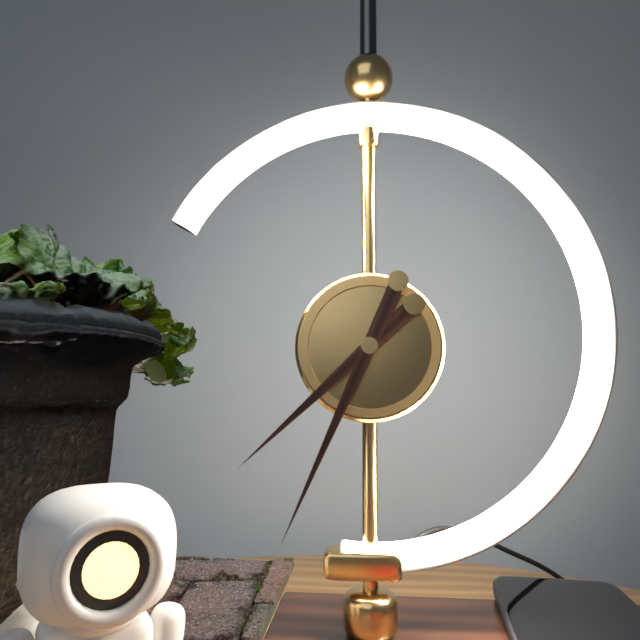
7:34
